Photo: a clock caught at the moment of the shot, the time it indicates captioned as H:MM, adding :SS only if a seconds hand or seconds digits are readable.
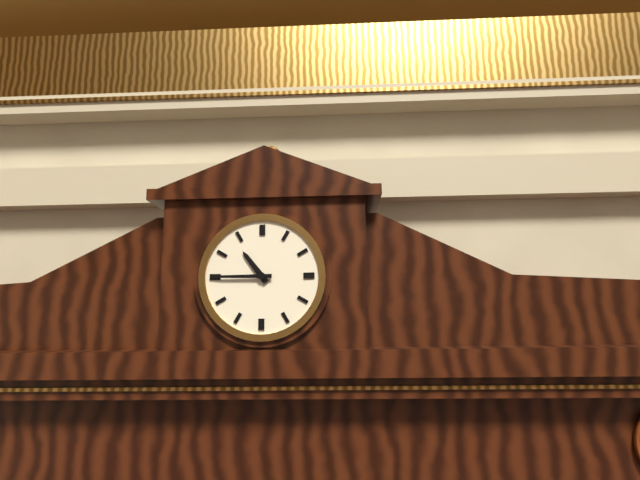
10:45
